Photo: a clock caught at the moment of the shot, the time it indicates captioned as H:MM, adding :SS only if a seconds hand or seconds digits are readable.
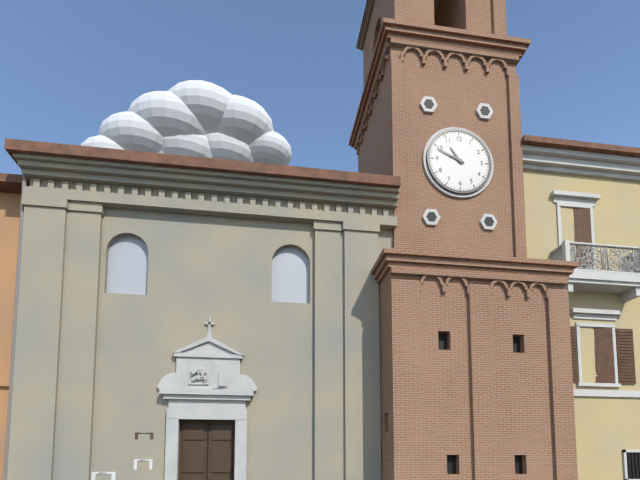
10:49
